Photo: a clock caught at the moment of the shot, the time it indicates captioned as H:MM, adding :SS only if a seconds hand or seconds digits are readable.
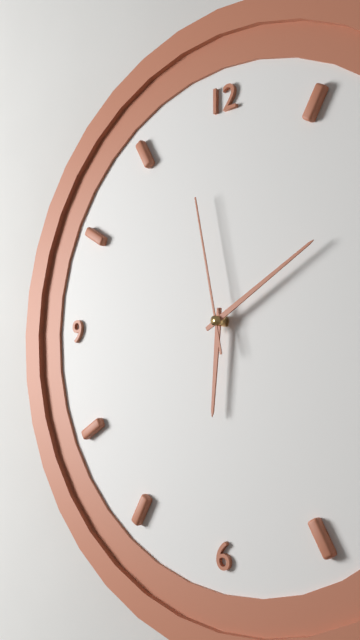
6:10:58
